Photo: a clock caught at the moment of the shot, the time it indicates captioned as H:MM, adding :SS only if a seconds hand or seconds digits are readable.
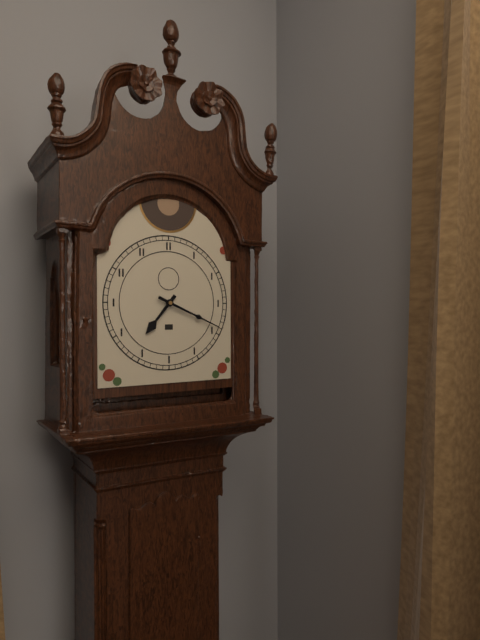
7:19
